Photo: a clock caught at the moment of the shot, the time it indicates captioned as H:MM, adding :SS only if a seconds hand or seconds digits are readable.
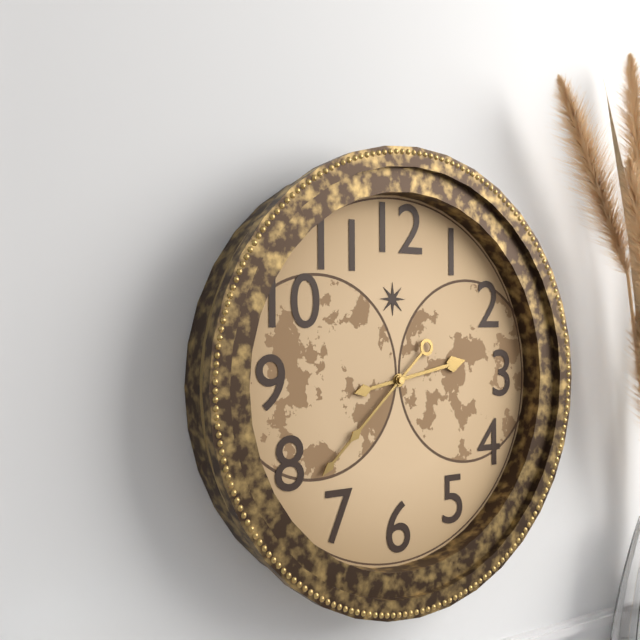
2:38
